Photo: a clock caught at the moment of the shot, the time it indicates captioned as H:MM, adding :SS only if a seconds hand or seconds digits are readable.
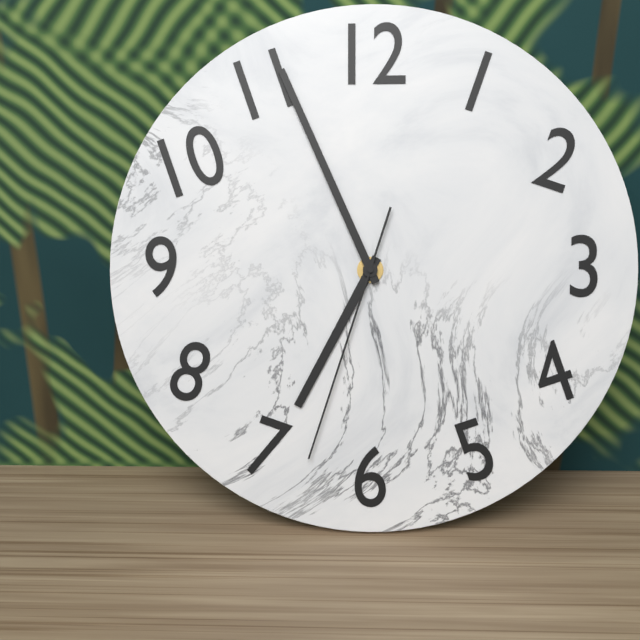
6:56:33
